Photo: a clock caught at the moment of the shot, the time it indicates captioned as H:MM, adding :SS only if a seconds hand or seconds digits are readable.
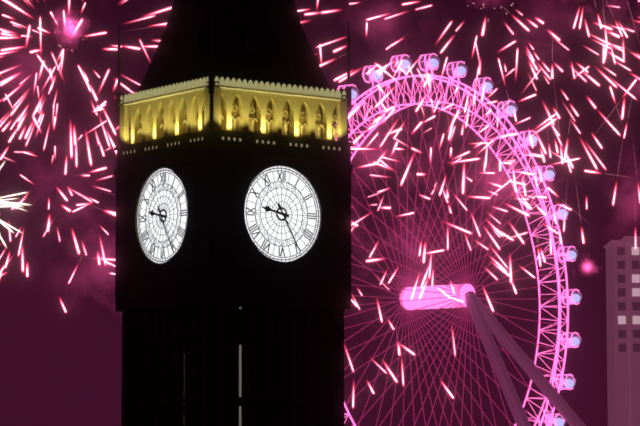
9:25
